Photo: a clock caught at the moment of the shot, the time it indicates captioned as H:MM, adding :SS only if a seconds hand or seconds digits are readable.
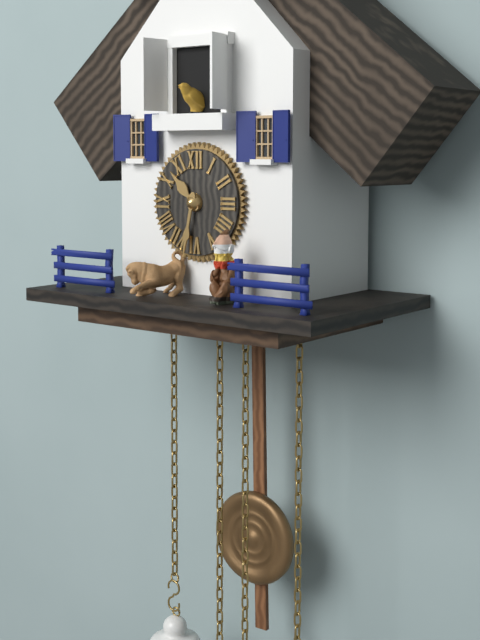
10:32
